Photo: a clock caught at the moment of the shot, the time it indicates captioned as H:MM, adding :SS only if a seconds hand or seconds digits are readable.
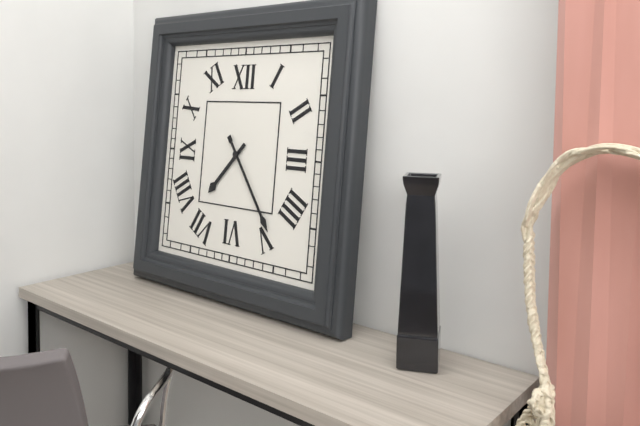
7:24
